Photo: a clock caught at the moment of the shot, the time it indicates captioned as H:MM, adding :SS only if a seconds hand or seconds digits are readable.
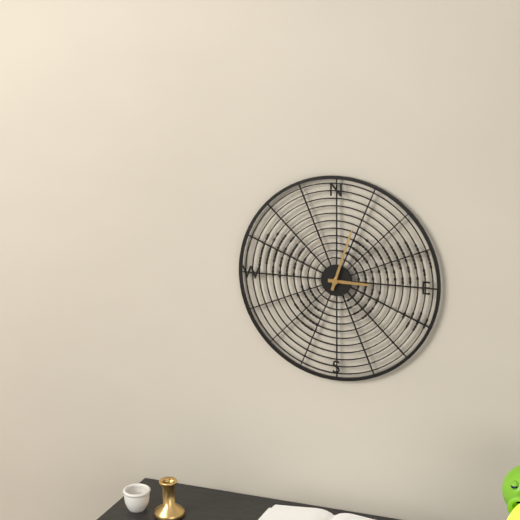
3:03
